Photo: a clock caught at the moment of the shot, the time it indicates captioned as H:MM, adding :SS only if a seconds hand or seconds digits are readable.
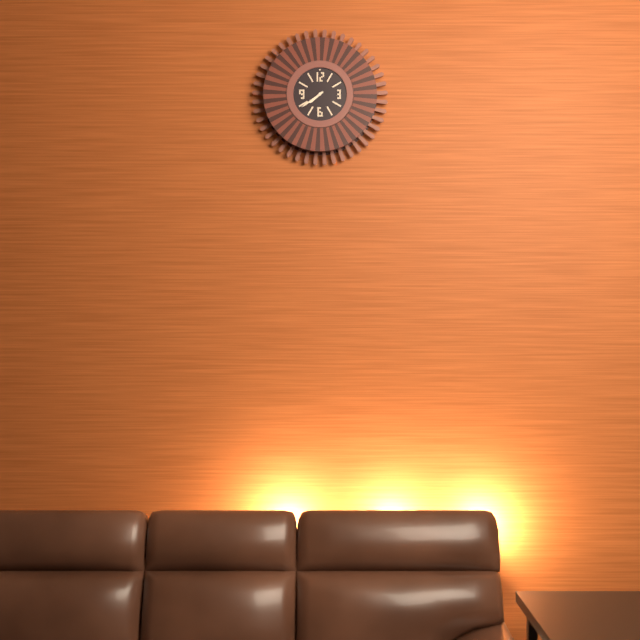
7:39
